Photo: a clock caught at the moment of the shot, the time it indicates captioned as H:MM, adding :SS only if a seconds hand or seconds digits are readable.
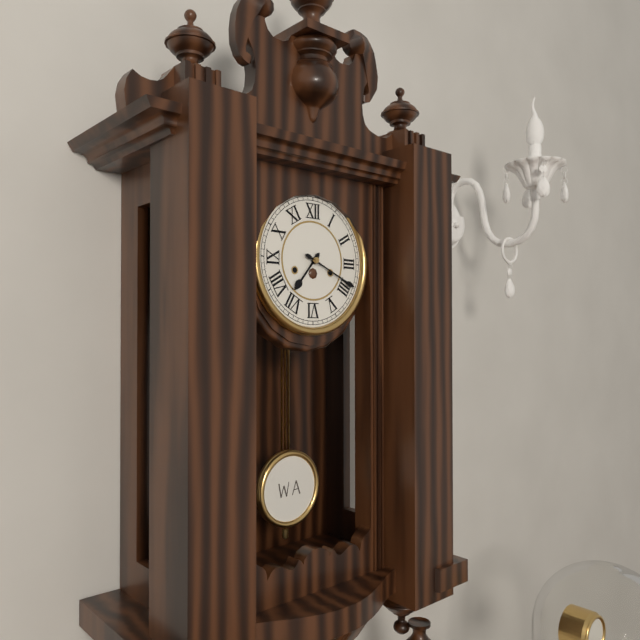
7:19
